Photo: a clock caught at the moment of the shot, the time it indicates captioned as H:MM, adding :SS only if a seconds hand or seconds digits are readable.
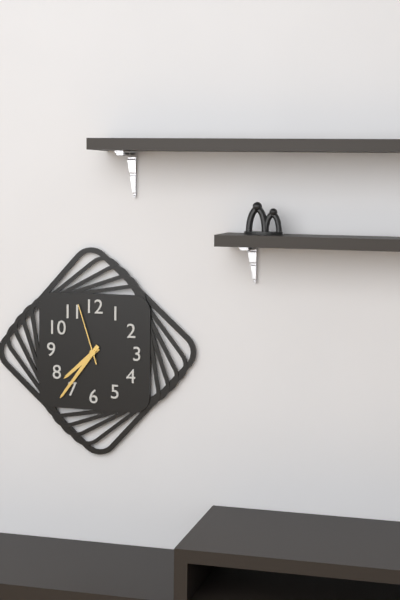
7:36:57
